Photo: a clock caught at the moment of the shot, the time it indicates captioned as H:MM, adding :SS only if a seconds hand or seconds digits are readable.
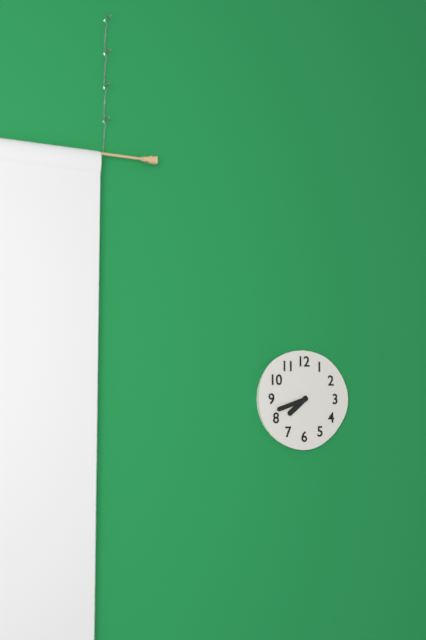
7:42
